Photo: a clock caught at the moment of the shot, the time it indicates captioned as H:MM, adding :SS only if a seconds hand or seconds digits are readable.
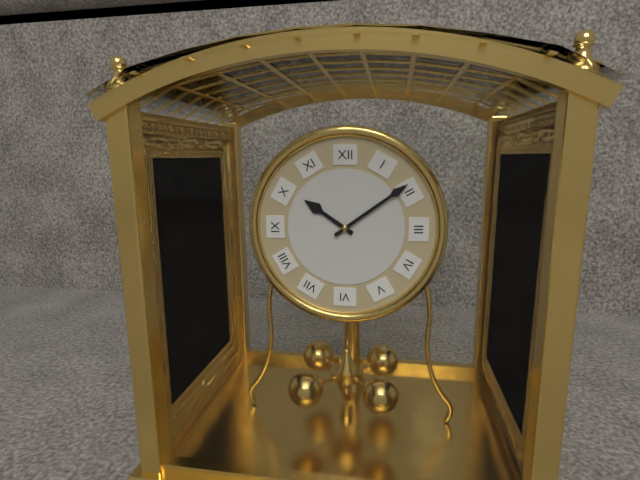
10:09
